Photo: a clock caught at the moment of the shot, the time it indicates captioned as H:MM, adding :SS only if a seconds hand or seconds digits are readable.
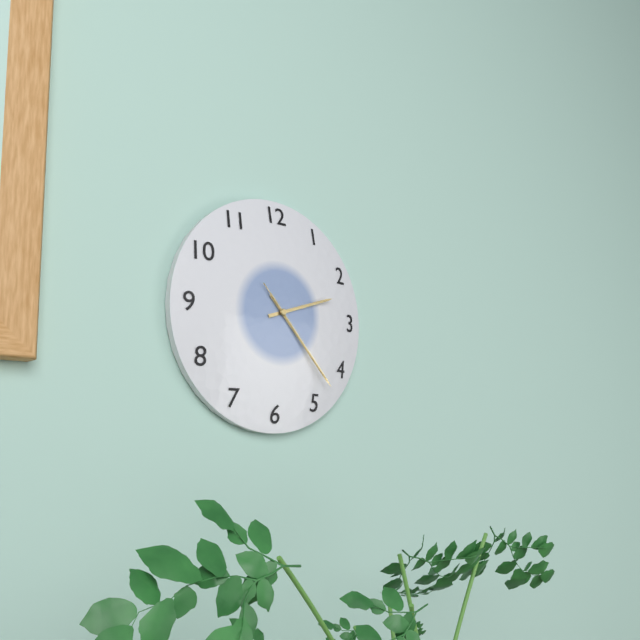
2:23:23
